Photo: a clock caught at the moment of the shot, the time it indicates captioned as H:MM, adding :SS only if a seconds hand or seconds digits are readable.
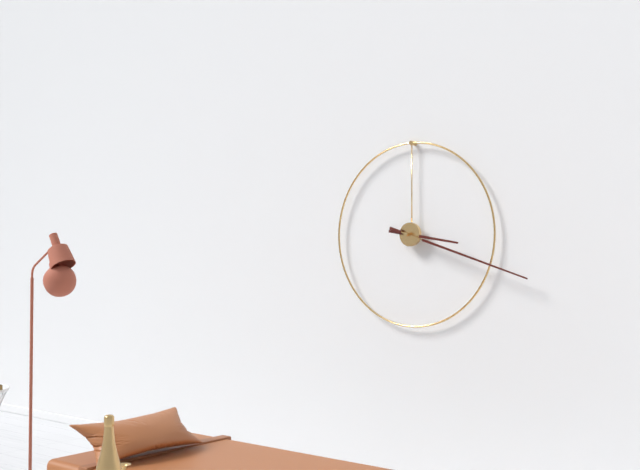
3:18
